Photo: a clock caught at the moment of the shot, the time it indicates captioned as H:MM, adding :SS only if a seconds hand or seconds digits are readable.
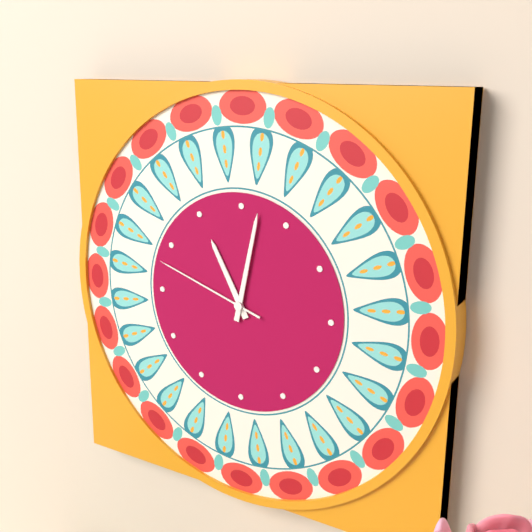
11:02:48
